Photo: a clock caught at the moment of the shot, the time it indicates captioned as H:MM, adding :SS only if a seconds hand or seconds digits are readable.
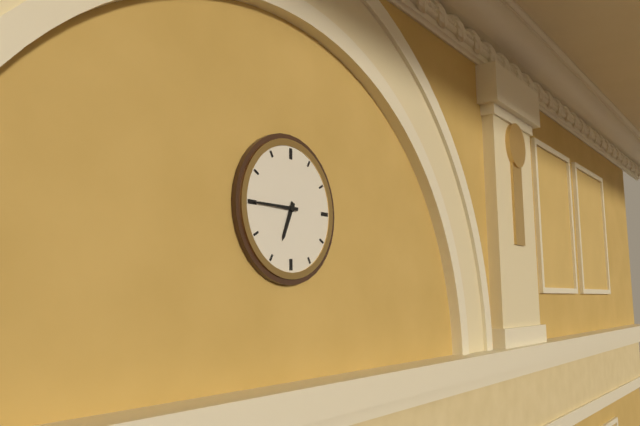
6:45
